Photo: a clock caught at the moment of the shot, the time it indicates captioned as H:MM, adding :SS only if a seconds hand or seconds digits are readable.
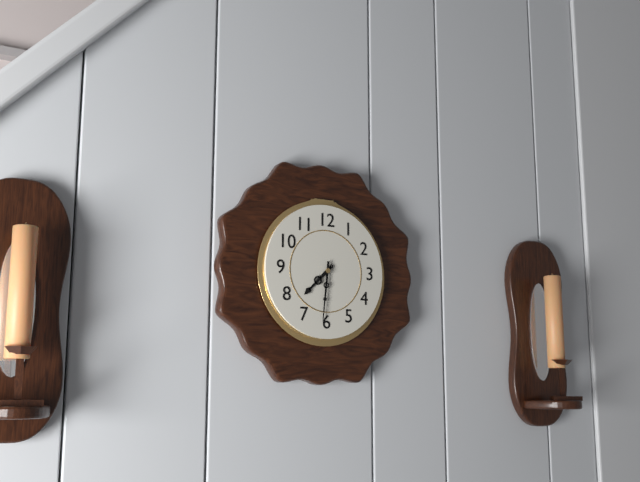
7:31
